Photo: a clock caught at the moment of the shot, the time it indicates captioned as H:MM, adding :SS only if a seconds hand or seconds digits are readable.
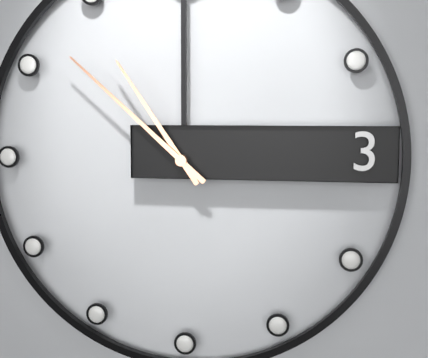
10:52
